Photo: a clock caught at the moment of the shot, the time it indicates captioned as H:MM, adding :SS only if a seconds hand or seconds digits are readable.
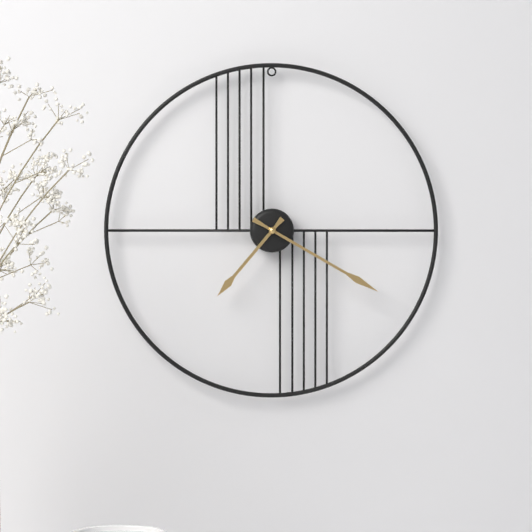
7:20
